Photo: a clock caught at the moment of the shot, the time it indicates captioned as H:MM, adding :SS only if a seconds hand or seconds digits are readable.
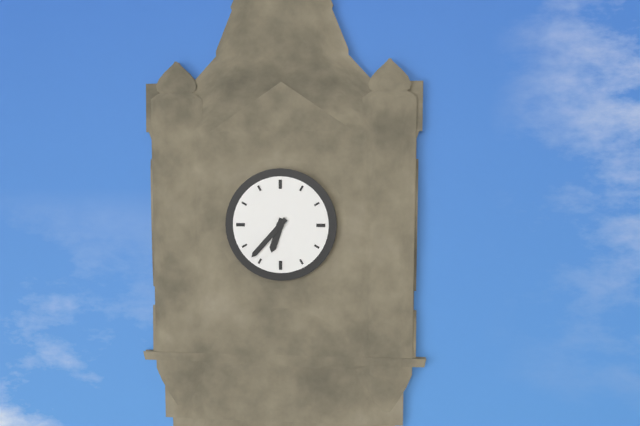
6:37
